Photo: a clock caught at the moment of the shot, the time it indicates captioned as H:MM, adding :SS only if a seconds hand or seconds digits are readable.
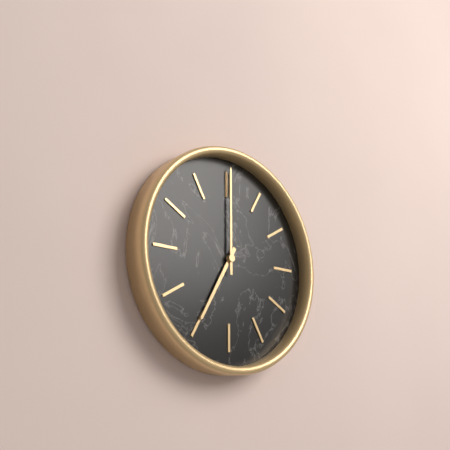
7:00
